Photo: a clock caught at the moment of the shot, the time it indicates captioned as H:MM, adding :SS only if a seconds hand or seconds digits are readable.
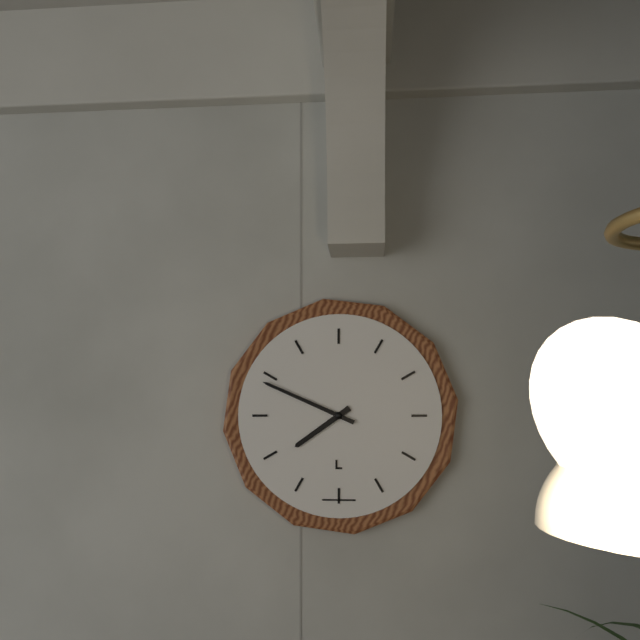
7:49
